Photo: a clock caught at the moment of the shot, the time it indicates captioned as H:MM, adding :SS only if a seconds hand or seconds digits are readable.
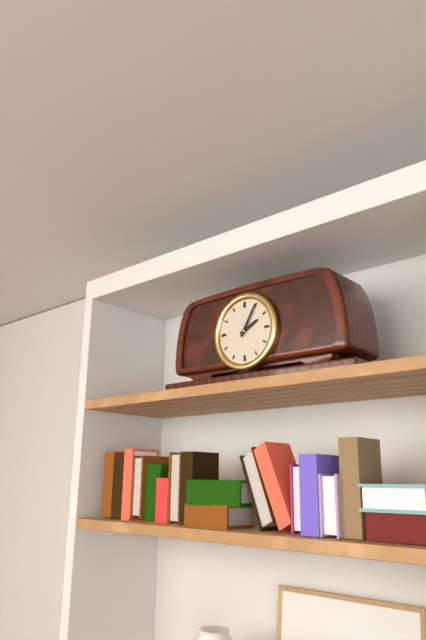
2:05
